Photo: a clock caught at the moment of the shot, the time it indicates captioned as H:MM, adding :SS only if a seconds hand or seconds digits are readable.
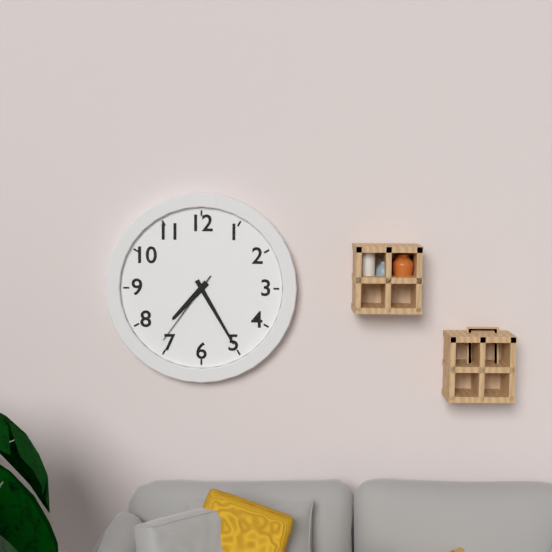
7:25:36
